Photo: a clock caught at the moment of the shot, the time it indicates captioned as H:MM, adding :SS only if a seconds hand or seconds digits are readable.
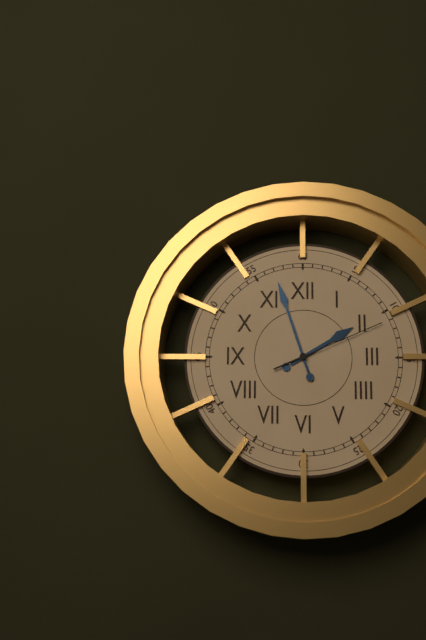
1:57:11
